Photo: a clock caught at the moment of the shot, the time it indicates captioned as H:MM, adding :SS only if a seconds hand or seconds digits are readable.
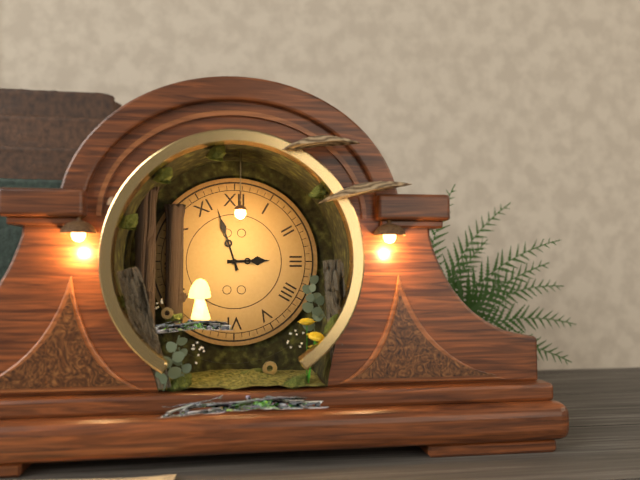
2:57
